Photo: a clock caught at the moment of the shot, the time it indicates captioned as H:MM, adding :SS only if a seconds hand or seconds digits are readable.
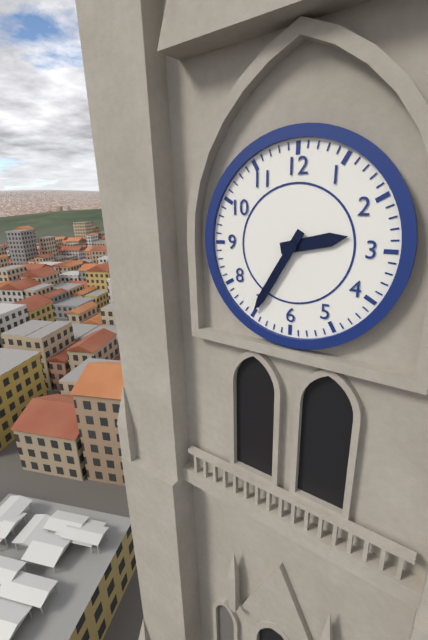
2:35
